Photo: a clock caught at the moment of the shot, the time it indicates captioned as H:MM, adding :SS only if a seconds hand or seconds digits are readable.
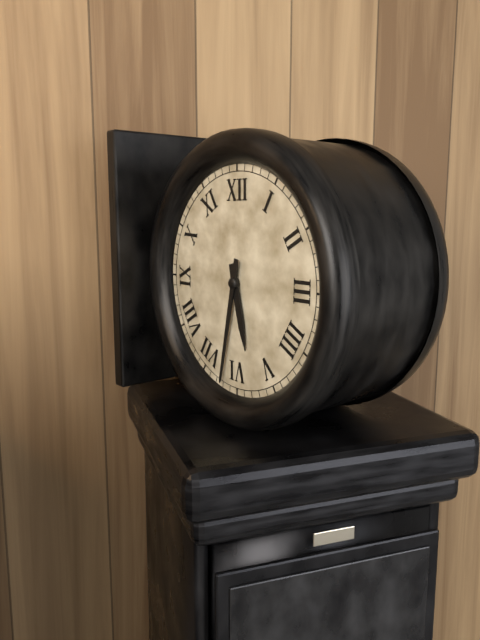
5:32
